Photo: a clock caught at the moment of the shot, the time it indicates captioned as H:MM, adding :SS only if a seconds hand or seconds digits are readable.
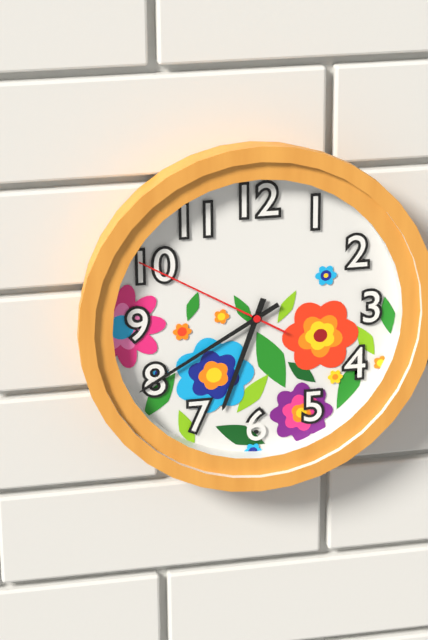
6:40:50
